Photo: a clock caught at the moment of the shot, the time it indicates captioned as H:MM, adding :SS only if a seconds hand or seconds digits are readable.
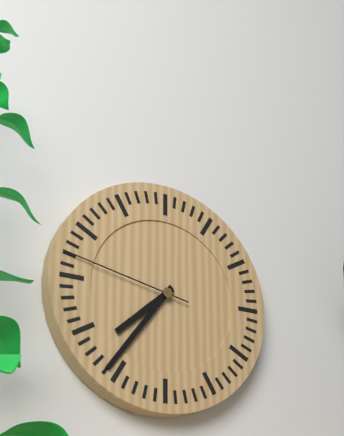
7:36:47
